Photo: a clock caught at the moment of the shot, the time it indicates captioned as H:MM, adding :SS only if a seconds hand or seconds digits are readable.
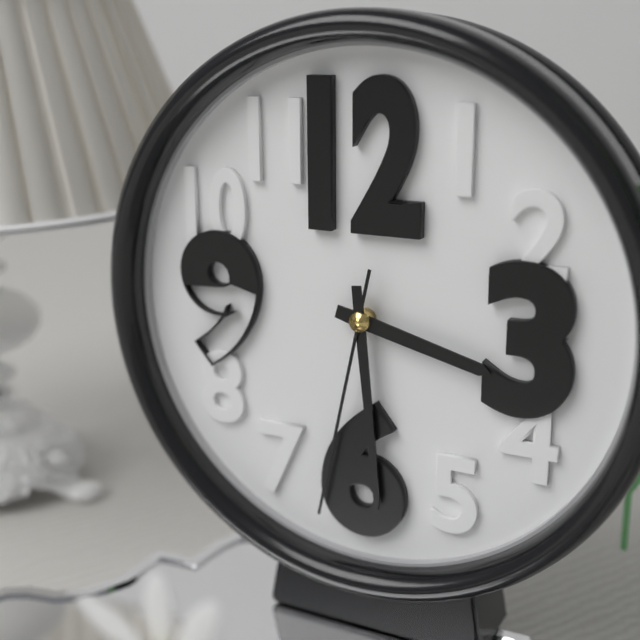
3:29:32
